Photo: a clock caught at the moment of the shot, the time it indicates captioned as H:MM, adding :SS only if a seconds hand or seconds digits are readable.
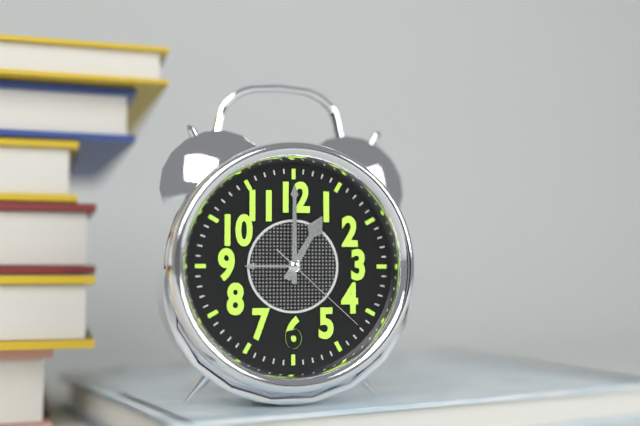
1:00:22
